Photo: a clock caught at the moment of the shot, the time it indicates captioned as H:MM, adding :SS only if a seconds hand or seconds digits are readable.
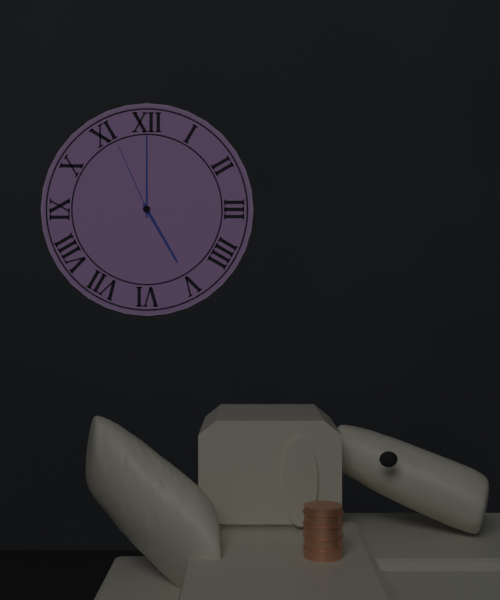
5:00:56
